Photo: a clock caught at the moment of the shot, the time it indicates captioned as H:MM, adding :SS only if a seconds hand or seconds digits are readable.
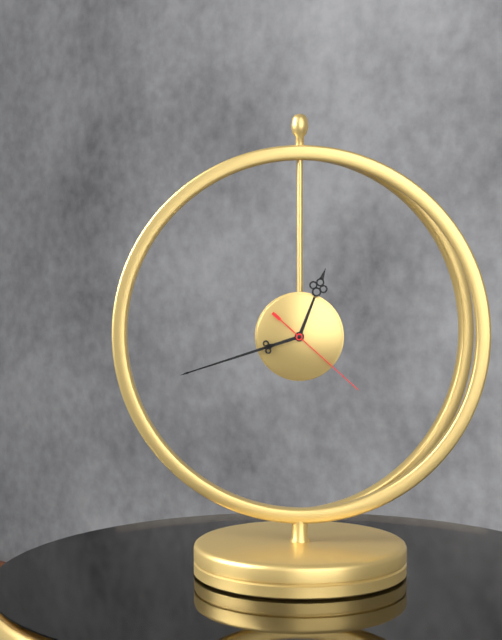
12:42:22
